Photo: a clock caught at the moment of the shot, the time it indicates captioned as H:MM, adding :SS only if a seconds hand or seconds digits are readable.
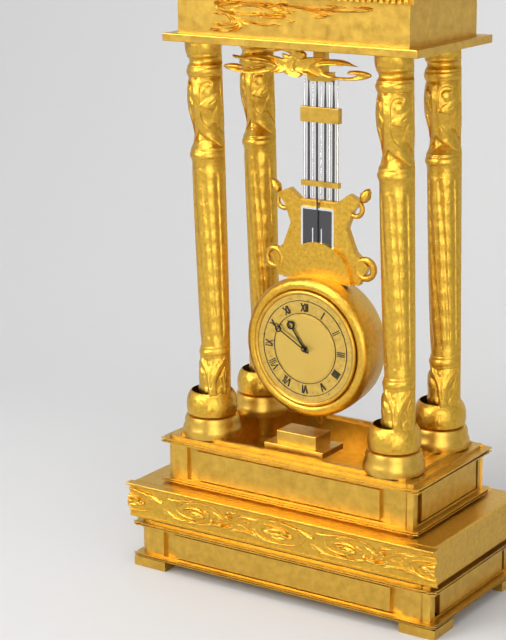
10:50
